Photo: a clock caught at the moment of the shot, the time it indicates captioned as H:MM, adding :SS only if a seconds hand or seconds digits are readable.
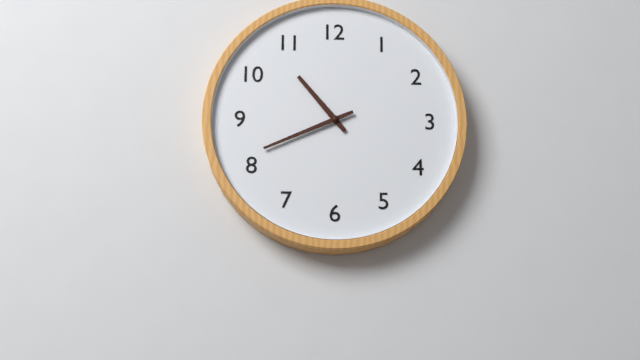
10:41
